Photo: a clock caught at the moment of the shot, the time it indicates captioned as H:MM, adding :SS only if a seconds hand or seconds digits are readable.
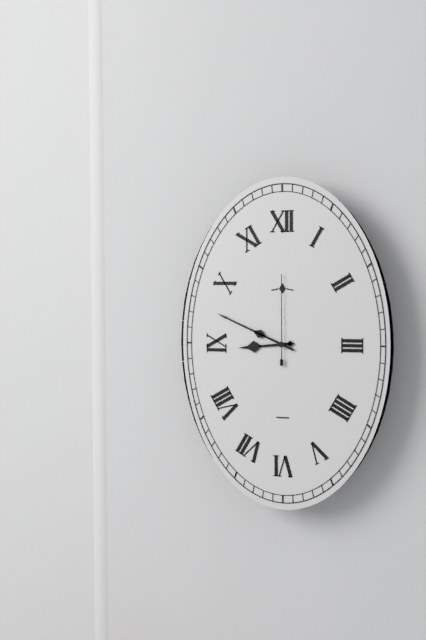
8:49:00
